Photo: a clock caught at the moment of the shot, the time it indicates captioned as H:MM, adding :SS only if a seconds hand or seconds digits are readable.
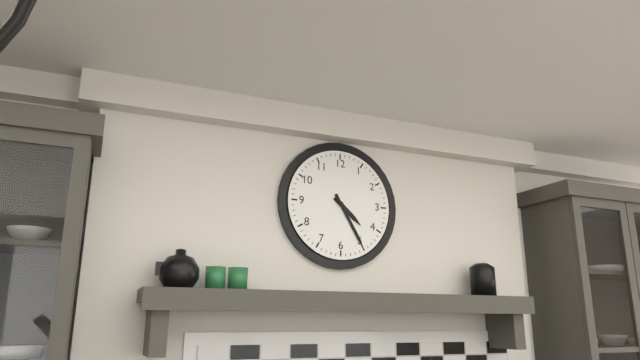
4:25
